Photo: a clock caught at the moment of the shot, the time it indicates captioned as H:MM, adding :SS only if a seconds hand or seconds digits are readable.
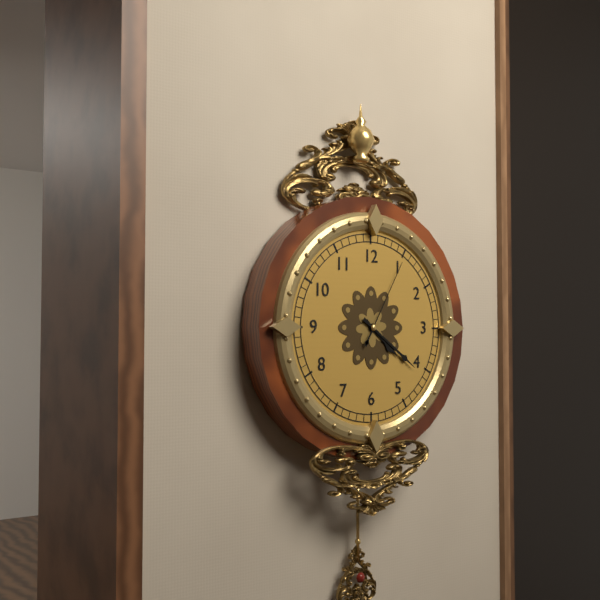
4:21:05
